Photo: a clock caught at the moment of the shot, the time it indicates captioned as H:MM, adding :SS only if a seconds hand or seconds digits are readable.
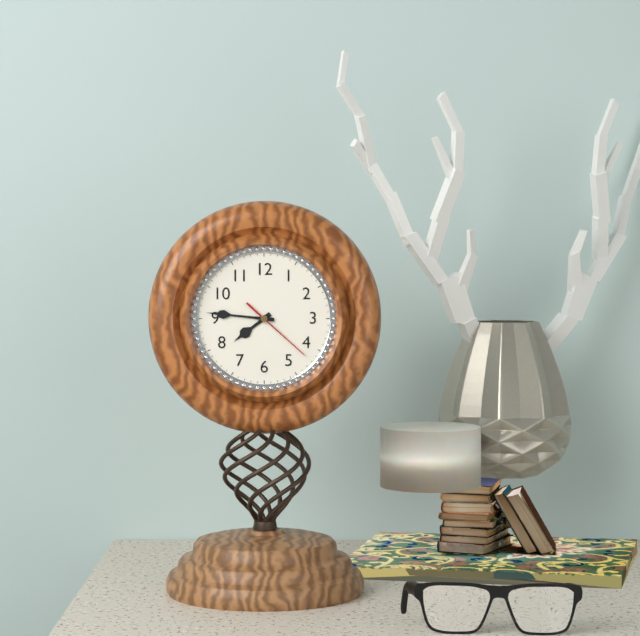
7:46:22
